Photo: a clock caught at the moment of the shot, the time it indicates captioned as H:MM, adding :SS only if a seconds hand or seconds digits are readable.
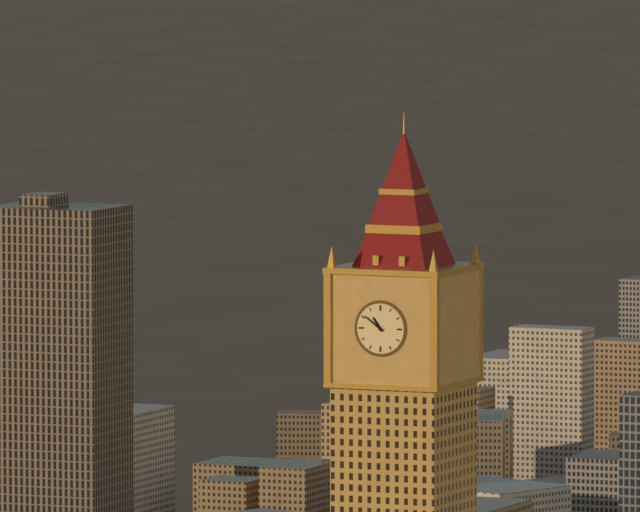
10:51
